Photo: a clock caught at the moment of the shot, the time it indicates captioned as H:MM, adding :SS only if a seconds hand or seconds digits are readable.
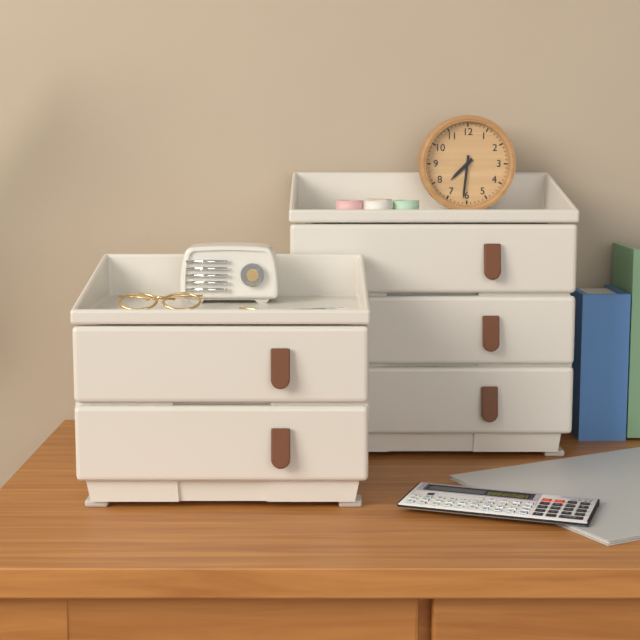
7:31
